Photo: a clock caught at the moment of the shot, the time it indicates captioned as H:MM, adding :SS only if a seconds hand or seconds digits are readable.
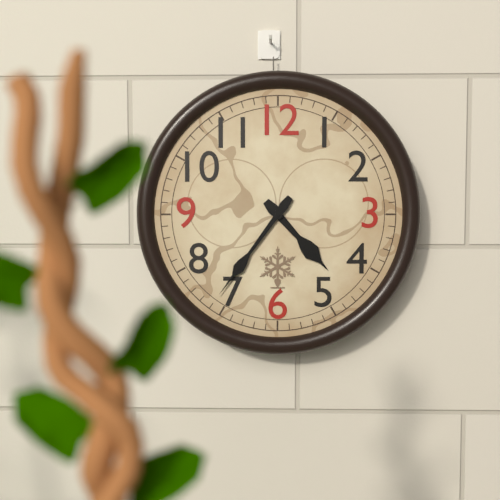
4:36
